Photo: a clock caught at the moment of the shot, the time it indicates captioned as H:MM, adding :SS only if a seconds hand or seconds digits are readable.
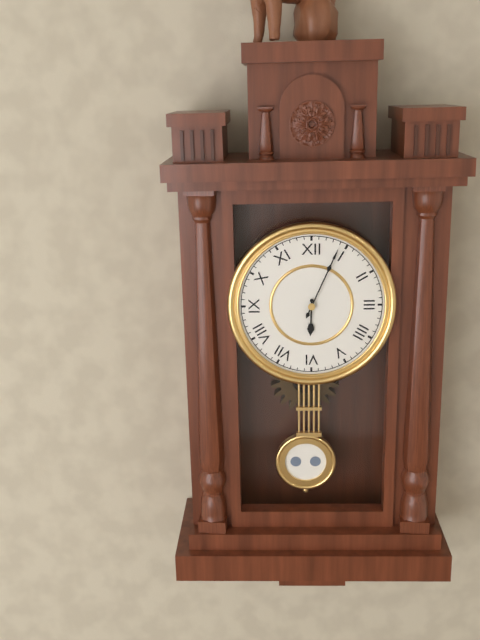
6:04
